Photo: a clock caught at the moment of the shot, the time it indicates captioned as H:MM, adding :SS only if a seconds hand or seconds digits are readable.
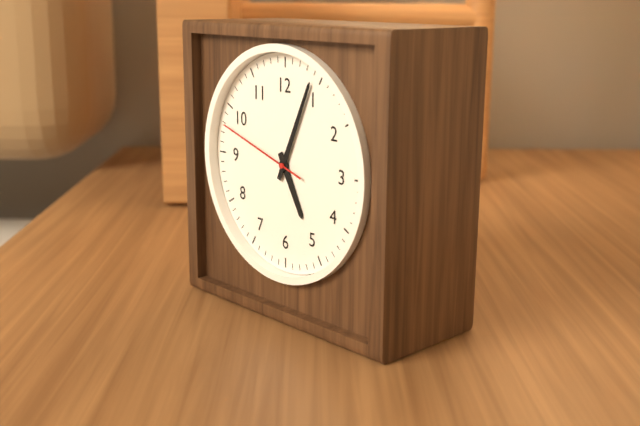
5:04:48
